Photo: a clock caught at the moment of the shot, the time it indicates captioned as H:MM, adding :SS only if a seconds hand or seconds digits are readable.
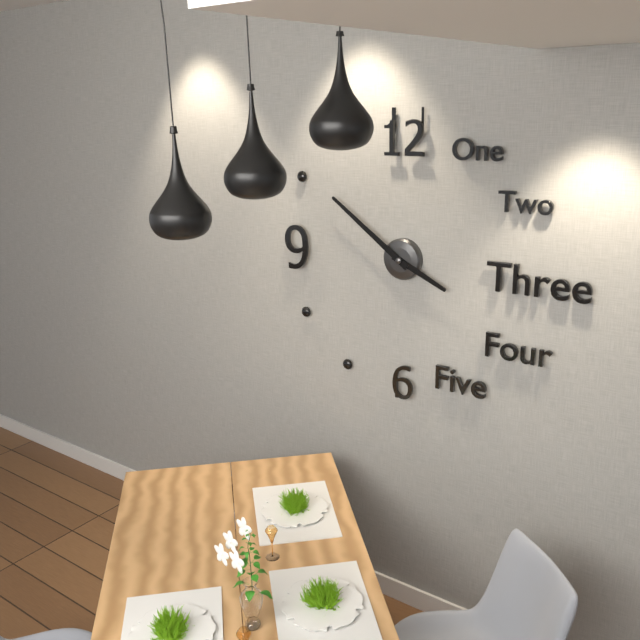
3:51
